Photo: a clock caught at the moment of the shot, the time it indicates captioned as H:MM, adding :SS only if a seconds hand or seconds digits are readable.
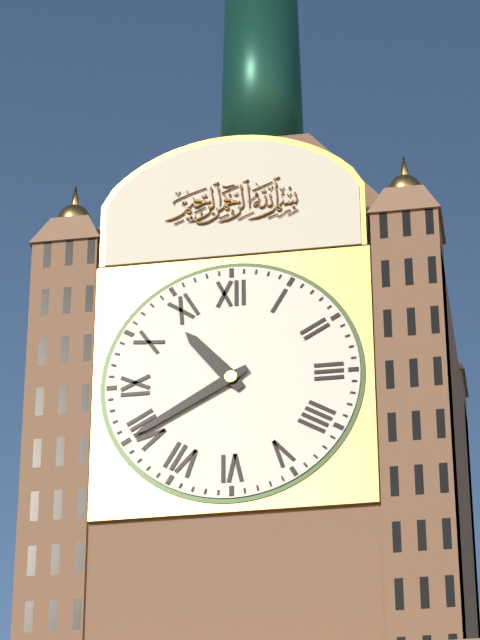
10:40
